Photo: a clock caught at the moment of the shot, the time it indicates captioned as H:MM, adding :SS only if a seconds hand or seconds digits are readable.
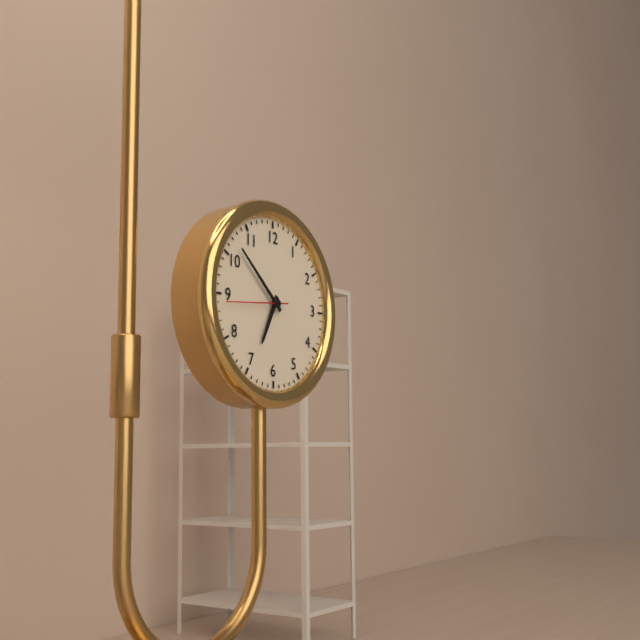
6:52
